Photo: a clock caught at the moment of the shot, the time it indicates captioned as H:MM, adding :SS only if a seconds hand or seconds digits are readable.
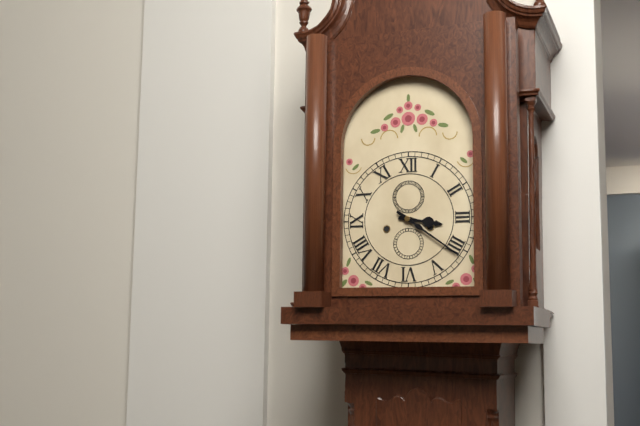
3:21
